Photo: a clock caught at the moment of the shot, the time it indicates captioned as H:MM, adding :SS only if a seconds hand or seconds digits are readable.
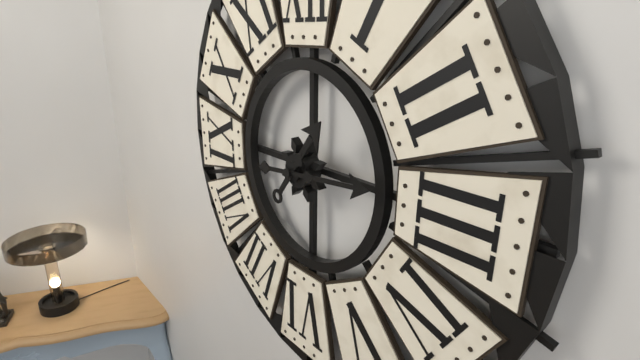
1:14
